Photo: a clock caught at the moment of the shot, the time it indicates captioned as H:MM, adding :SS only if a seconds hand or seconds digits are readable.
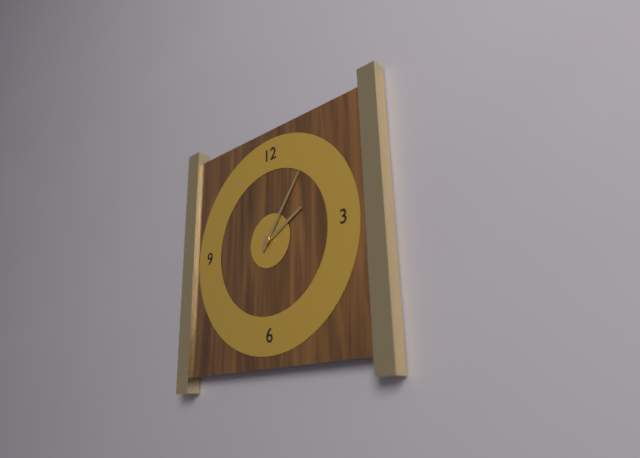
2:06
